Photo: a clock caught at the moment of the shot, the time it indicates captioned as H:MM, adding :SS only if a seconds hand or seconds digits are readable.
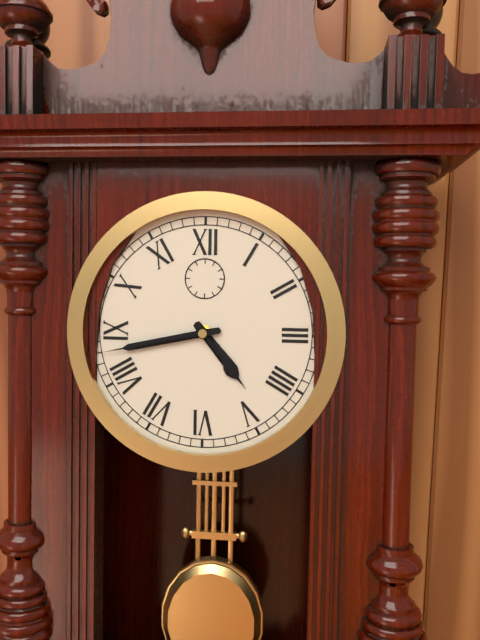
4:43
